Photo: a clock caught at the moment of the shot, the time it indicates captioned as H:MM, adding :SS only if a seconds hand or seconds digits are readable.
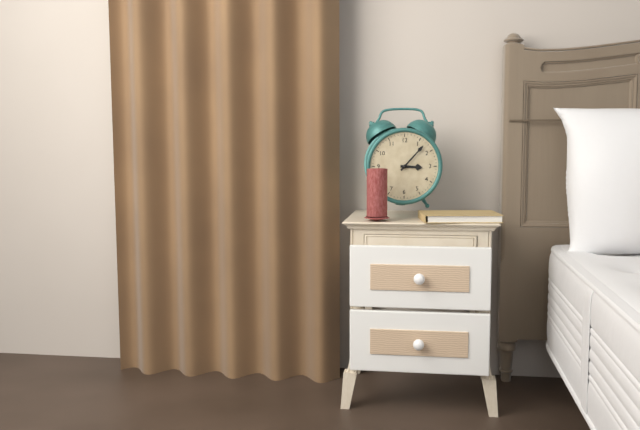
3:07
